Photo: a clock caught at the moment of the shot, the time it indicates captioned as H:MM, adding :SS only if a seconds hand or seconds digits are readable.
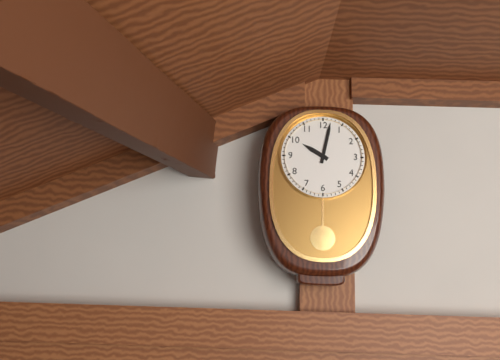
10:02
